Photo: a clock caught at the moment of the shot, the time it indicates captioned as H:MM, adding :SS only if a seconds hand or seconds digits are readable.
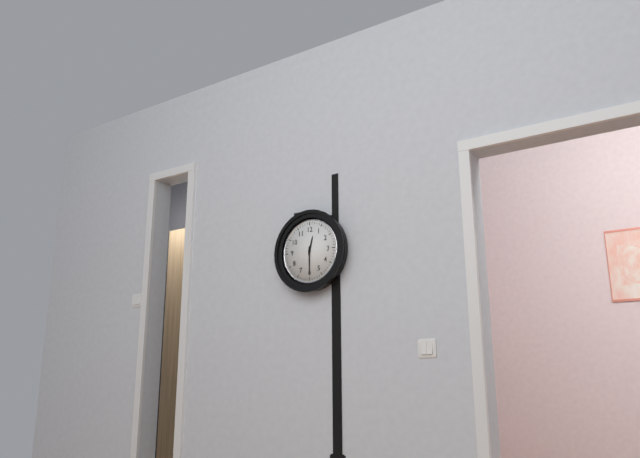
12:30
